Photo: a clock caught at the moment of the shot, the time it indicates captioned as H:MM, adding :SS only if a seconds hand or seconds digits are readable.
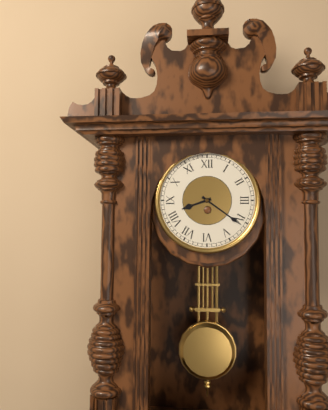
8:21
